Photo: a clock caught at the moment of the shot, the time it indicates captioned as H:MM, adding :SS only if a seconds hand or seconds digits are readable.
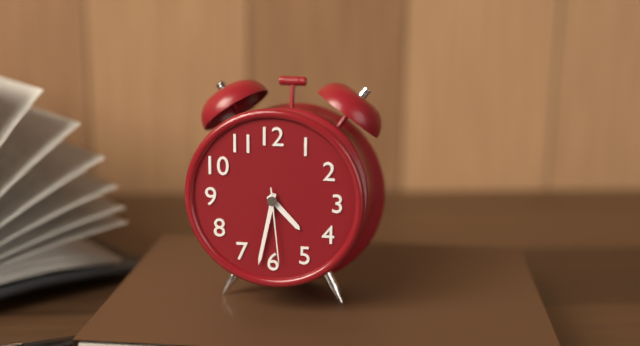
4:32:29
